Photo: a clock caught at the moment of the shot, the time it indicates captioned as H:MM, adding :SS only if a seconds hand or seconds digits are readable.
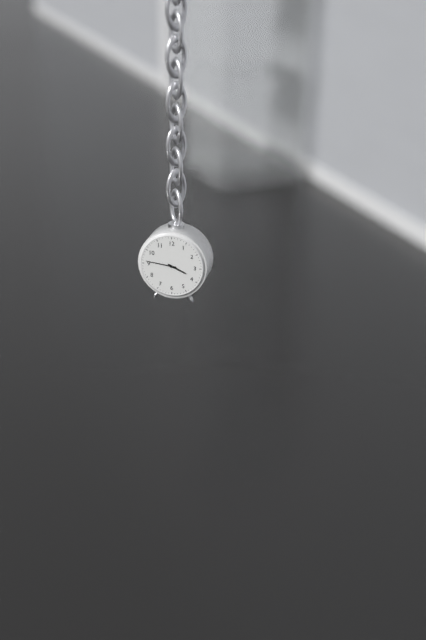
3:46
